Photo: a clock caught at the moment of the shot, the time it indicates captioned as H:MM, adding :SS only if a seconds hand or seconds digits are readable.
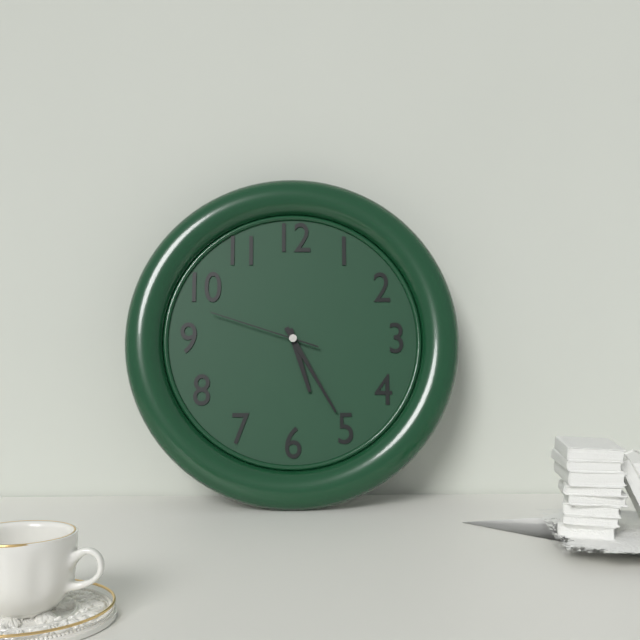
5:25:48
